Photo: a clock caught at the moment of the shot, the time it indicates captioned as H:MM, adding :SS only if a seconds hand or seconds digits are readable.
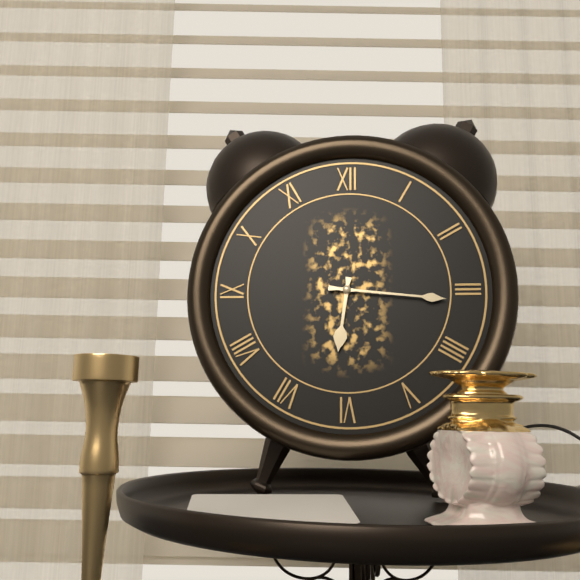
6:16
